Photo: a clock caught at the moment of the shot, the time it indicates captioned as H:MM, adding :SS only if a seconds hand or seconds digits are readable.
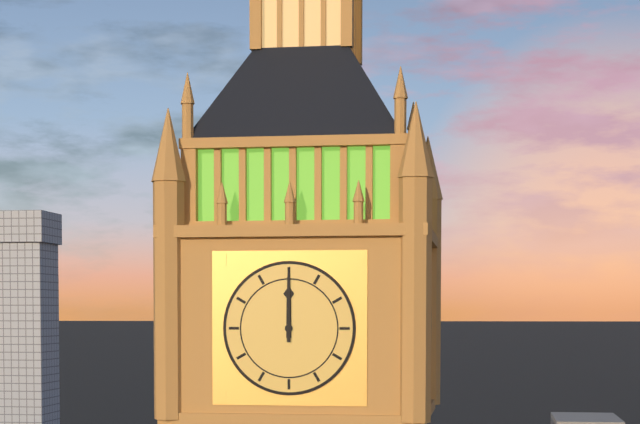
12:00
